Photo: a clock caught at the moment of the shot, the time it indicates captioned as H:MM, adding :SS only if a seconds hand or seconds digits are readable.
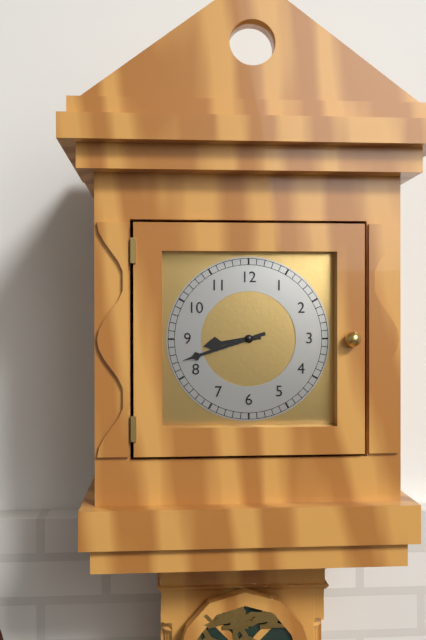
8:42
